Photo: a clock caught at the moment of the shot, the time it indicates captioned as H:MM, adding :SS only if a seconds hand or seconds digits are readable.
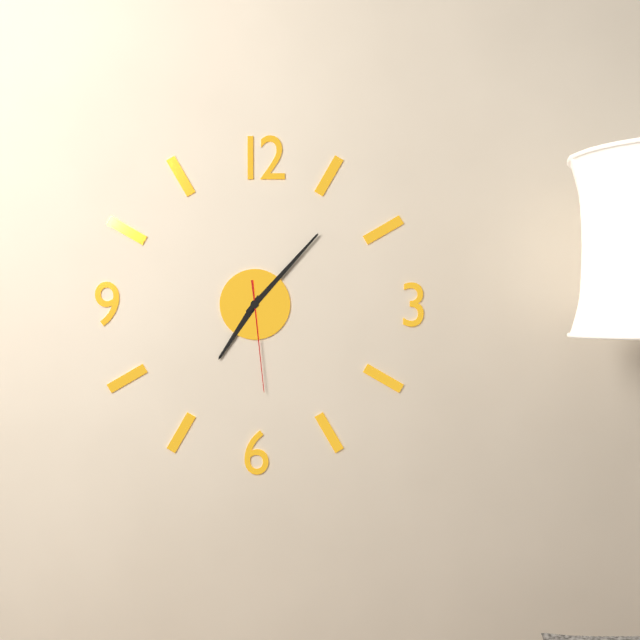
7:07:29
